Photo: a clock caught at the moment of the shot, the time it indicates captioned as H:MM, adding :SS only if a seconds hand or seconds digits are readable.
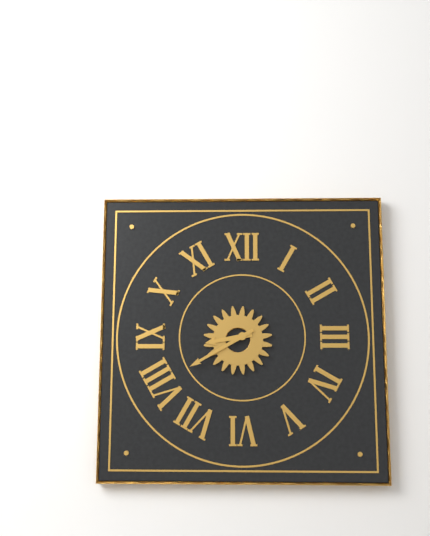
8:40
